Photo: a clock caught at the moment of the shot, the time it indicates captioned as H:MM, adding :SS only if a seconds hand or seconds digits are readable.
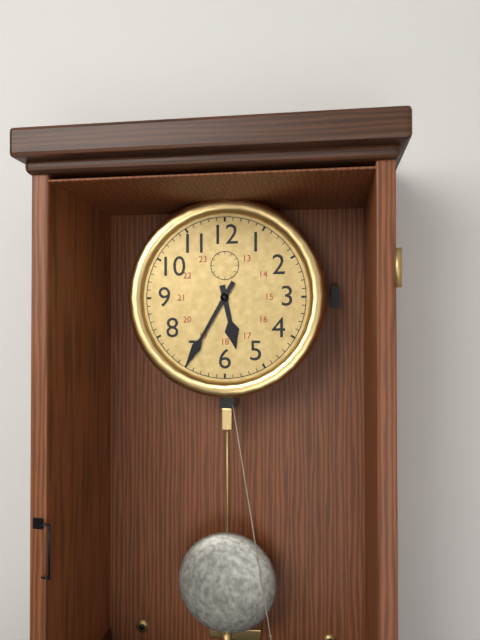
5:35
